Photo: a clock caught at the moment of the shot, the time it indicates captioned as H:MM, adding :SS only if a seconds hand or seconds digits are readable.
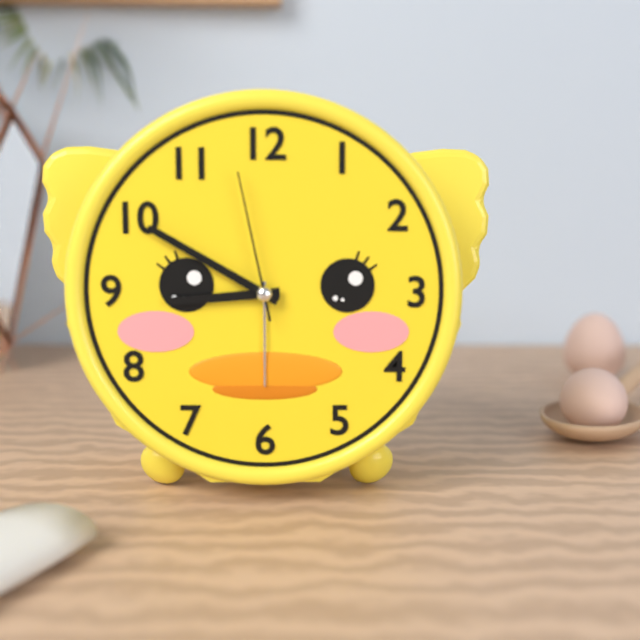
8:50:58
